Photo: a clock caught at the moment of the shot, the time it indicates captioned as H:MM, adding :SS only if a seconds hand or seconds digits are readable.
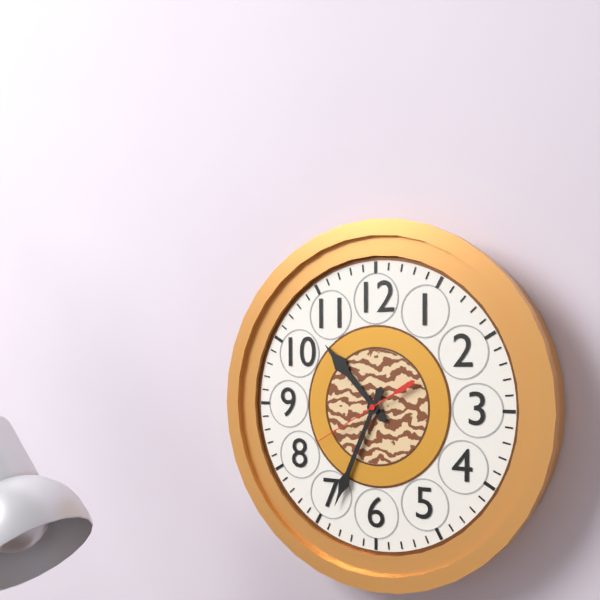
10:34:40
